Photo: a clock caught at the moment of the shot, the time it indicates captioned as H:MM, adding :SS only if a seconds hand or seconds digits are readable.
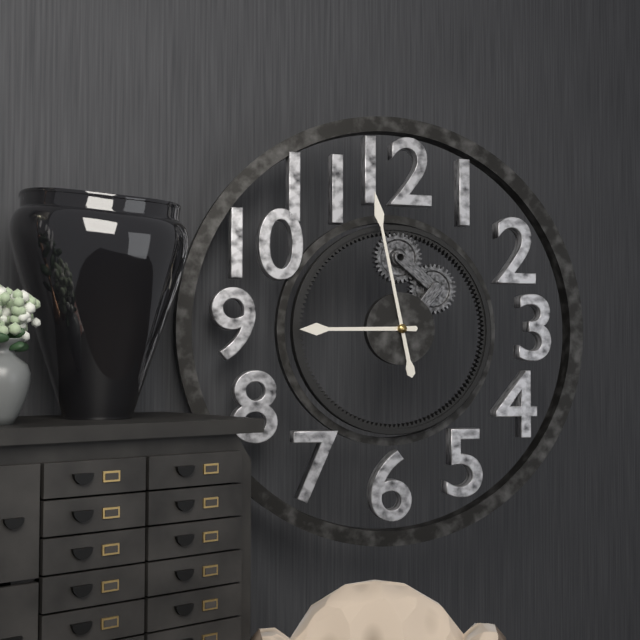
8:58
